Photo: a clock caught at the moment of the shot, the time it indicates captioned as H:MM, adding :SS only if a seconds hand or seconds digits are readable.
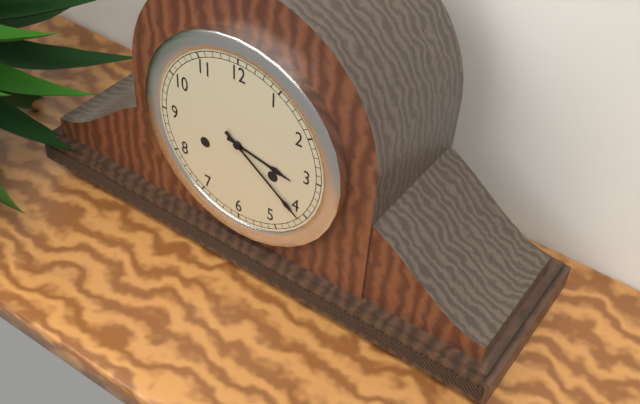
3:21
